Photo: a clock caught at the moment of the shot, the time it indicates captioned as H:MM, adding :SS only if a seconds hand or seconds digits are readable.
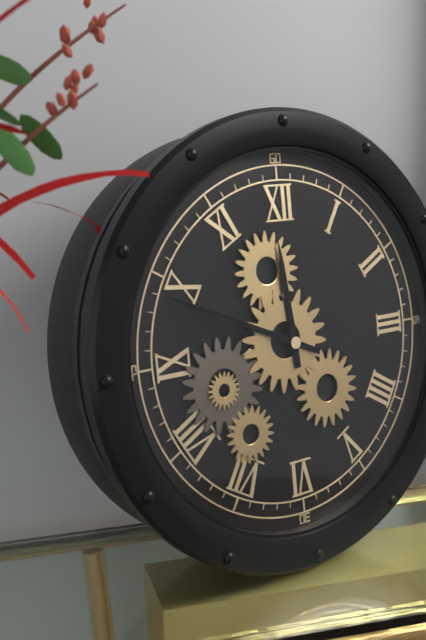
11:49
